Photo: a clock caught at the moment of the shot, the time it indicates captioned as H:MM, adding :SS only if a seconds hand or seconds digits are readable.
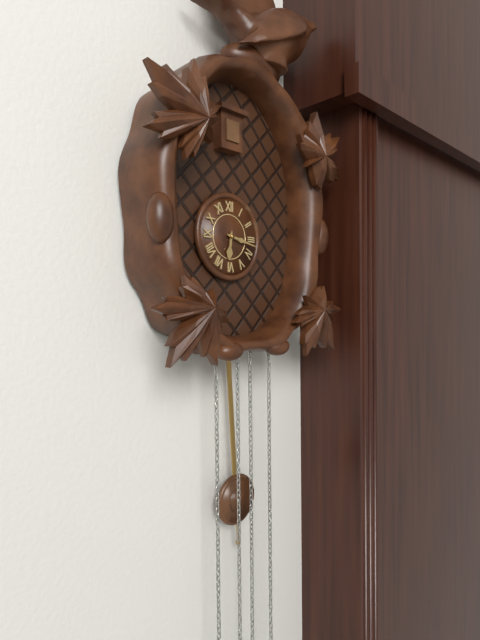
6:17
